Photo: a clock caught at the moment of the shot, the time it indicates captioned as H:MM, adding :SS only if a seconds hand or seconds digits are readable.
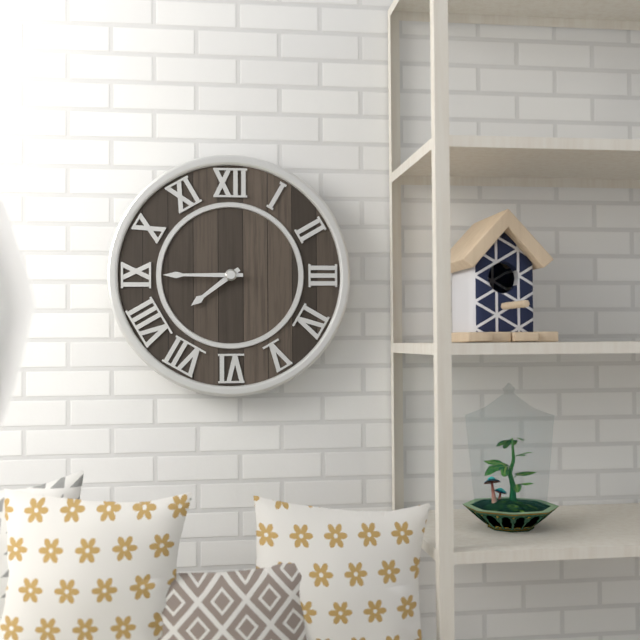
7:45
